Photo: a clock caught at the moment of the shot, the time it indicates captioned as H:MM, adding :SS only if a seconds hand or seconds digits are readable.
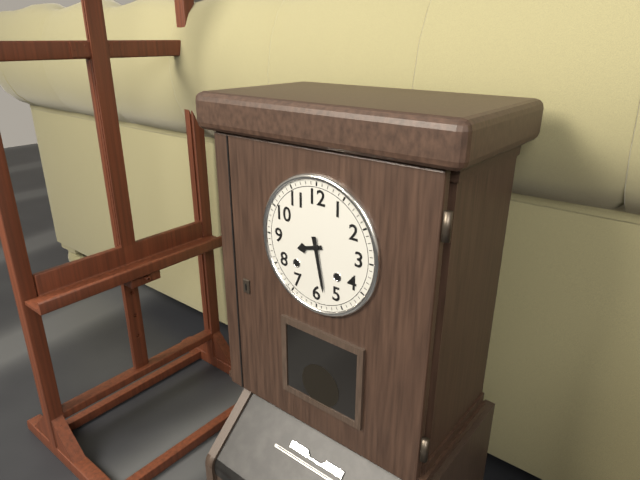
8:28
